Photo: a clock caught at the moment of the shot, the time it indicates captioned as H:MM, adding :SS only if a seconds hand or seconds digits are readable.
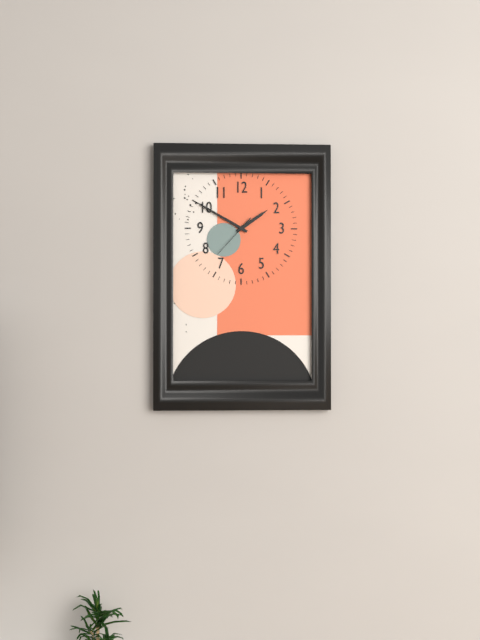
1:50
